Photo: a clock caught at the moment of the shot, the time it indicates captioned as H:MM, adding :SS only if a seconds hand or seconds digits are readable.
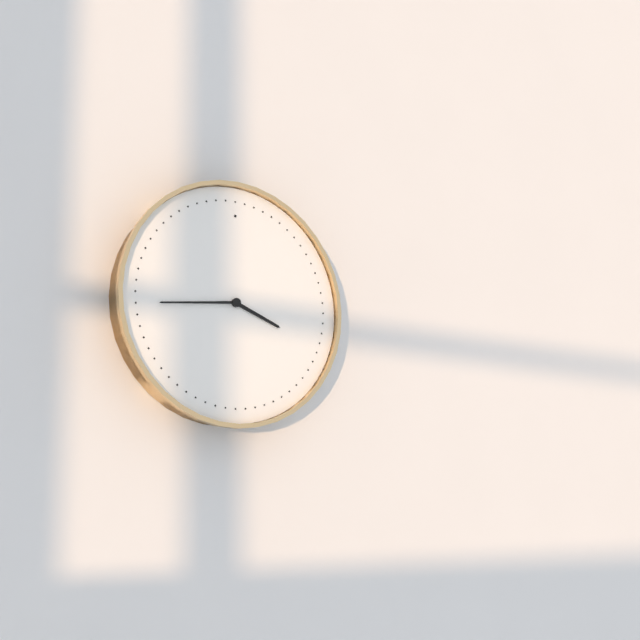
3:44
